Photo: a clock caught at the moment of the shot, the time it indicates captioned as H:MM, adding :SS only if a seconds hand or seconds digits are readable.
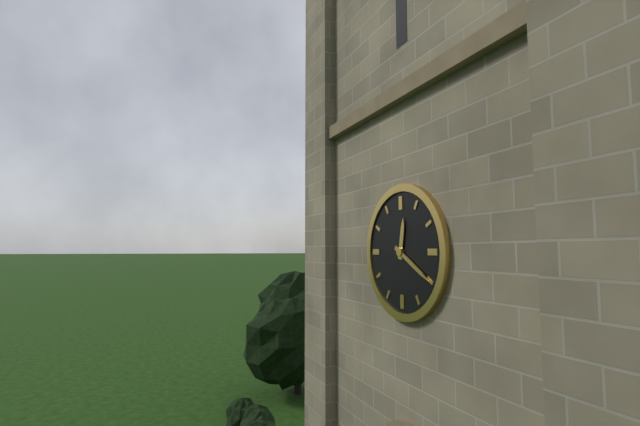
12:20
